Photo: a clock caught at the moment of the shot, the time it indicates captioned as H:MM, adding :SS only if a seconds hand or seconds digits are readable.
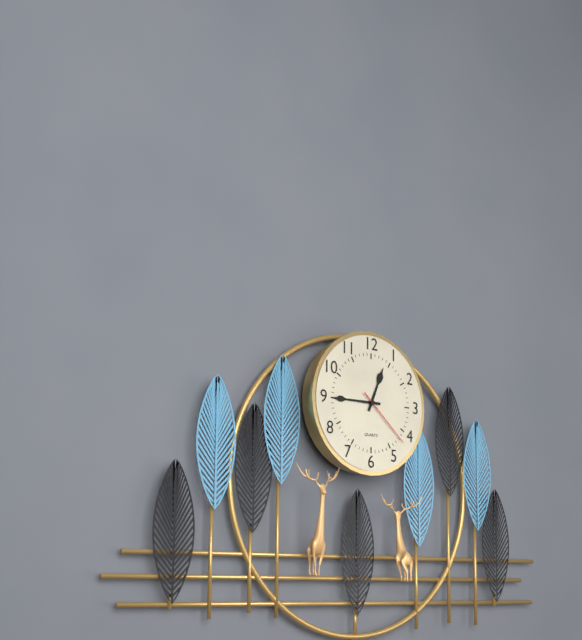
12:45:22
